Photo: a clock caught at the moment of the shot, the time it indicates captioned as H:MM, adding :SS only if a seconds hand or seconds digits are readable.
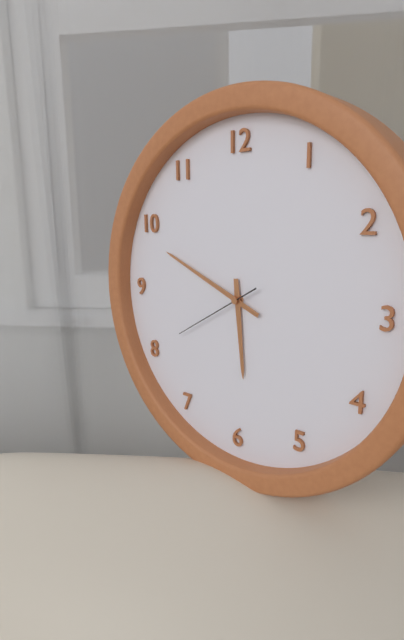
5:49:40
